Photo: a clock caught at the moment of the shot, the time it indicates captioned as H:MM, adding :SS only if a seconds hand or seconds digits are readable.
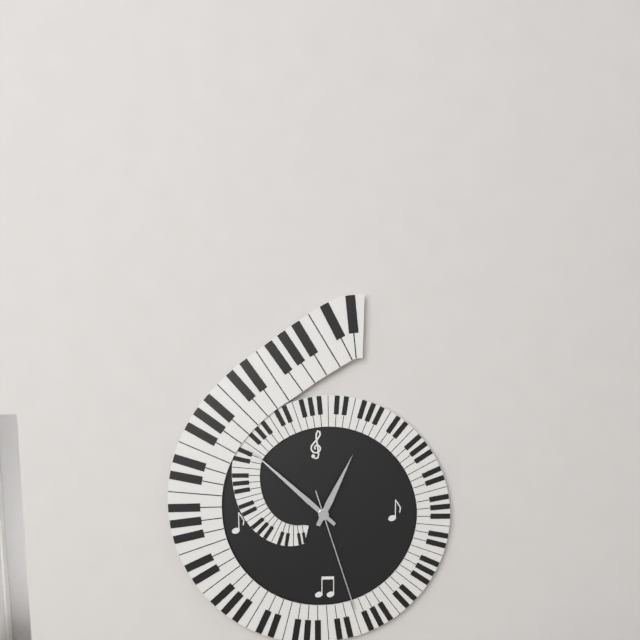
12:52:27
